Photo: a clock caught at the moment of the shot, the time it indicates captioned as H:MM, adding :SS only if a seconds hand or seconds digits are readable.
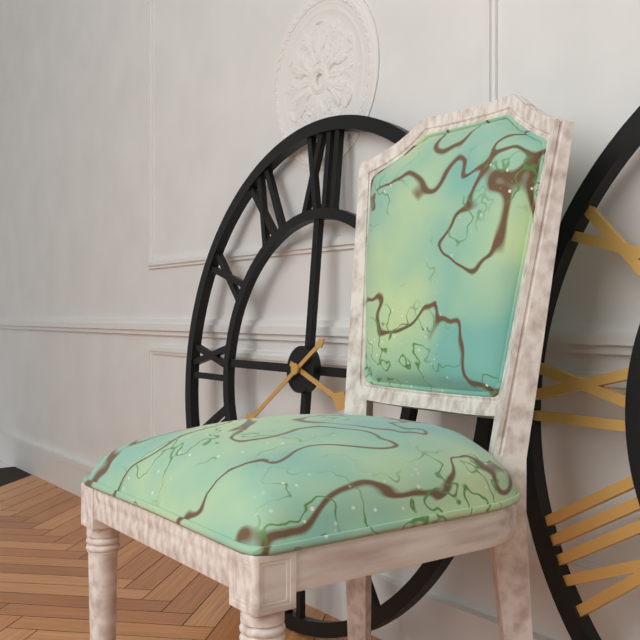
3:39
